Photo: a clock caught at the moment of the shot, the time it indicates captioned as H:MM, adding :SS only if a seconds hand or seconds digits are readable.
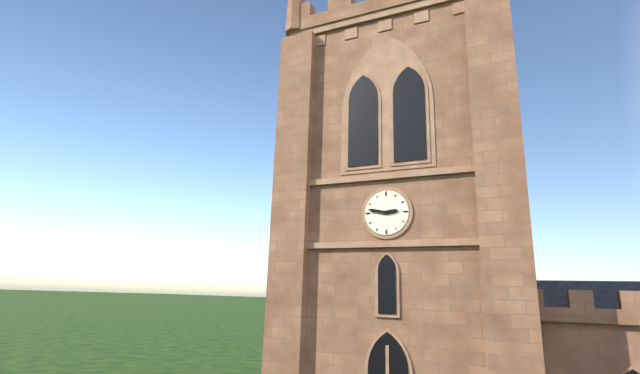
2:47
